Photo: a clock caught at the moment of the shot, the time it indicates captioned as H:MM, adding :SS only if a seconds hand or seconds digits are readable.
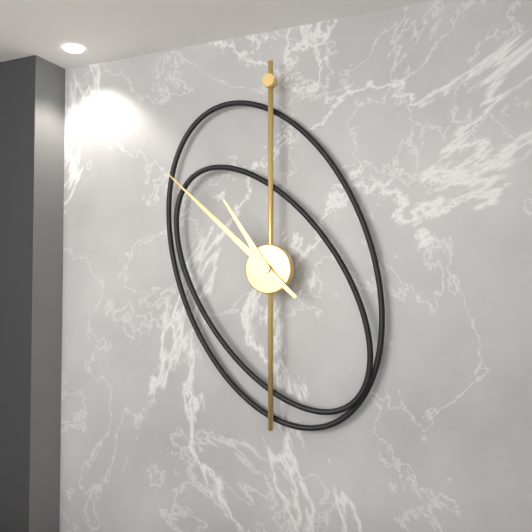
10:52
